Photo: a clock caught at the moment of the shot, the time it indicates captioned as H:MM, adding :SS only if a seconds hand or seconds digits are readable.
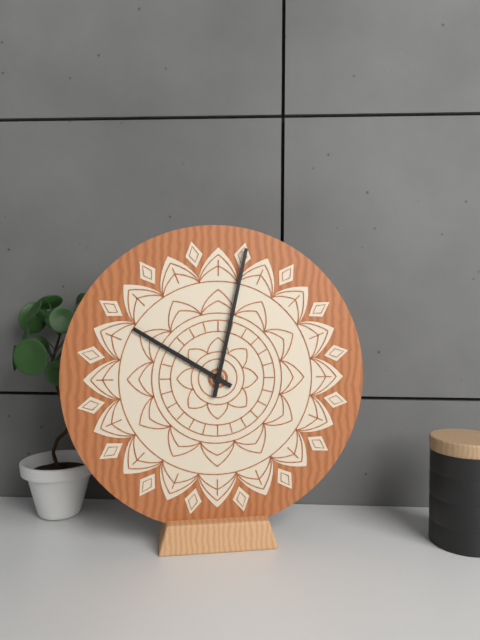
10:02
